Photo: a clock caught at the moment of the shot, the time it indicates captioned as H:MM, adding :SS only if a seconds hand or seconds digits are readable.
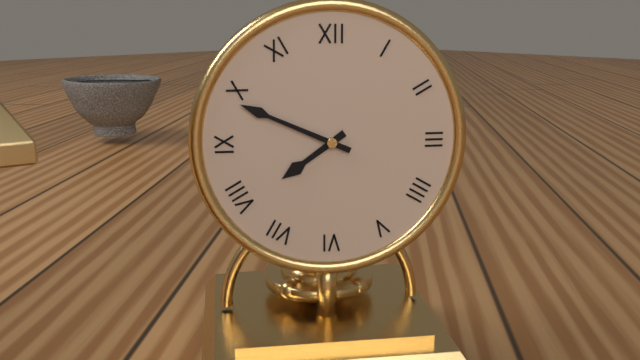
7:49
